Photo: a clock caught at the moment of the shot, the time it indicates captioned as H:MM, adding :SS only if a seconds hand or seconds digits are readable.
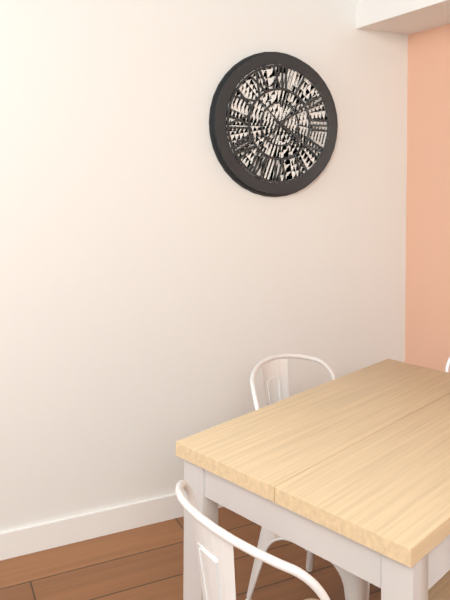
4:09
